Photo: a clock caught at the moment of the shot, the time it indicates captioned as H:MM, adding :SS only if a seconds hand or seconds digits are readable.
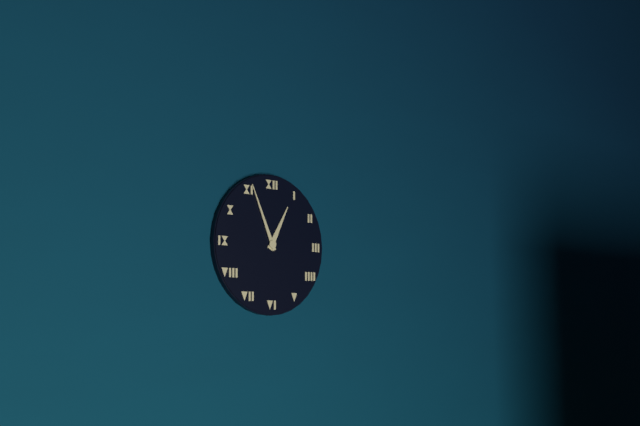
12:56
